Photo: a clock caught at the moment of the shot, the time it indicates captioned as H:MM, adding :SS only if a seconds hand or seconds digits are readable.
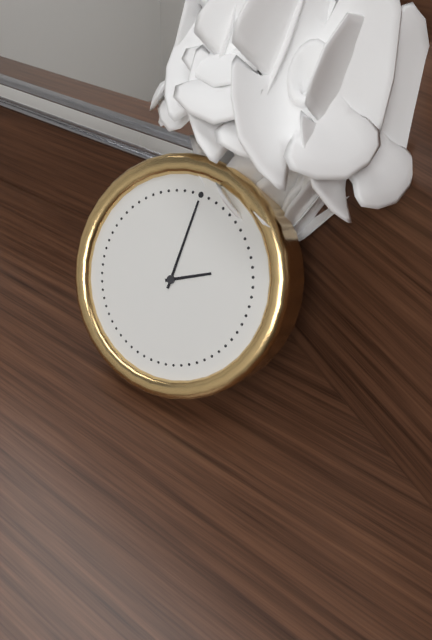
2:00
